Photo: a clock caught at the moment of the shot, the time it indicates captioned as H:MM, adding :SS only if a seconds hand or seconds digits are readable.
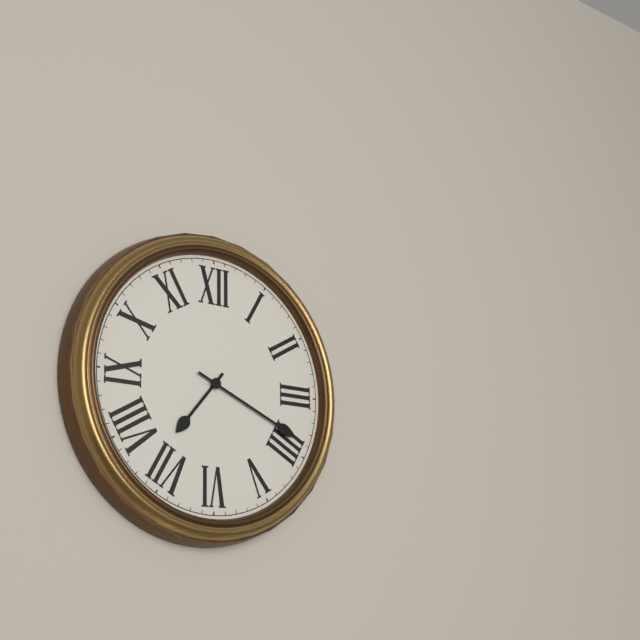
7:19
